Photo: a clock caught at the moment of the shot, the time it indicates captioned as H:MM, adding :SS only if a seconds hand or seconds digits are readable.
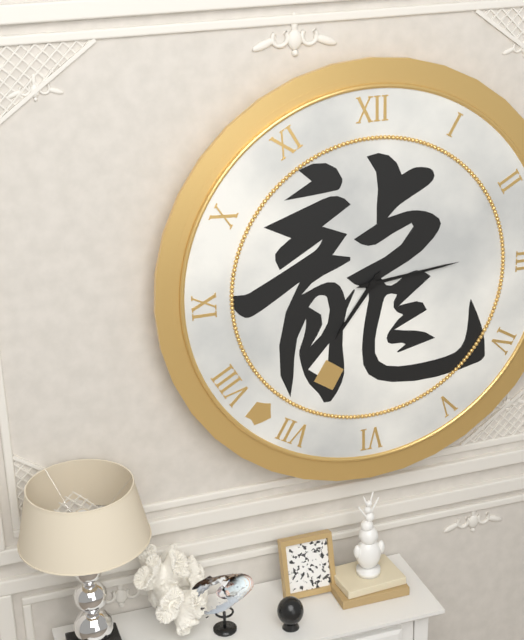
7:14
